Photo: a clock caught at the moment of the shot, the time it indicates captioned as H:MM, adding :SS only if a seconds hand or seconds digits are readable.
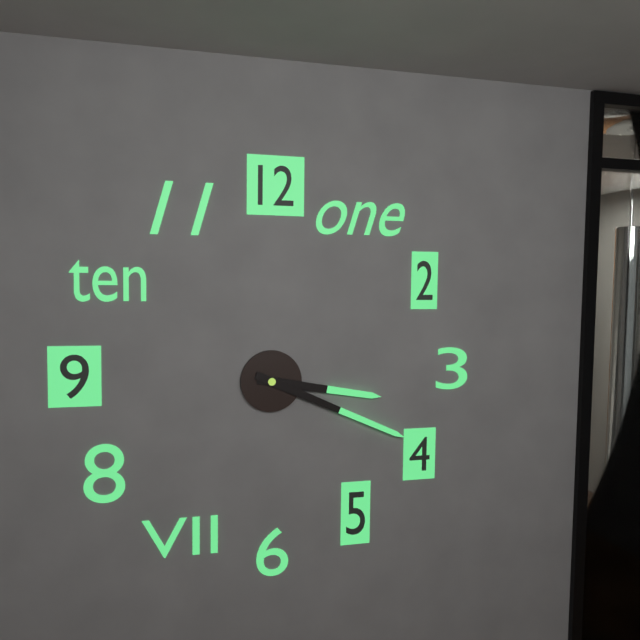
3:19
